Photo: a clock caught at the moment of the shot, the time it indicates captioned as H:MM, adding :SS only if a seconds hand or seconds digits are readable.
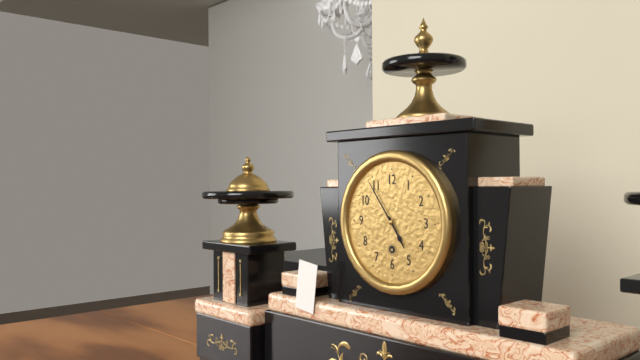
4:54
